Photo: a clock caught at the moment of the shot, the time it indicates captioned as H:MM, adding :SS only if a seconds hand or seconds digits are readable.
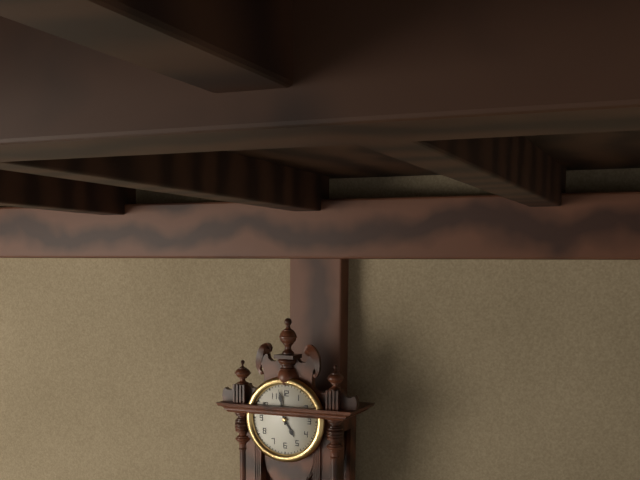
4:58
